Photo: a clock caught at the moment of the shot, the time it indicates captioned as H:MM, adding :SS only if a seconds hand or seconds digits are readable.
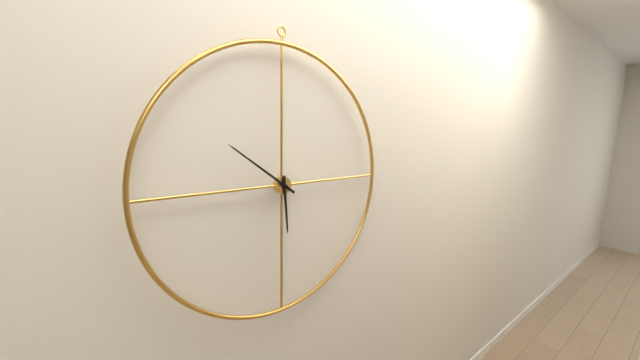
5:51
